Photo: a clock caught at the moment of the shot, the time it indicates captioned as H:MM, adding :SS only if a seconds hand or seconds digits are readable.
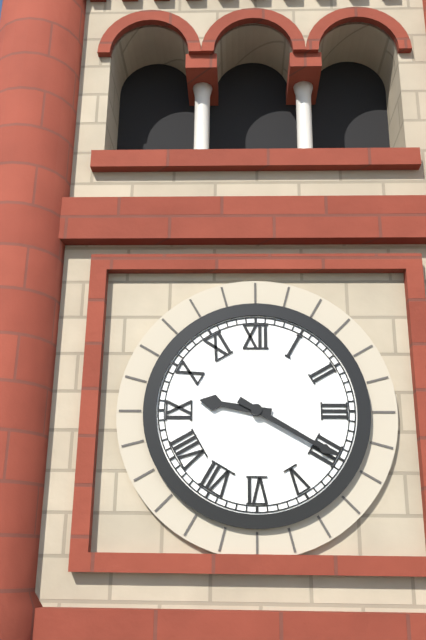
9:20
